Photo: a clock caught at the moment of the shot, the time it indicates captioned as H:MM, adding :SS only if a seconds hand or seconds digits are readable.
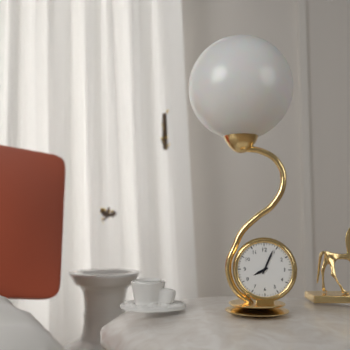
8:04
